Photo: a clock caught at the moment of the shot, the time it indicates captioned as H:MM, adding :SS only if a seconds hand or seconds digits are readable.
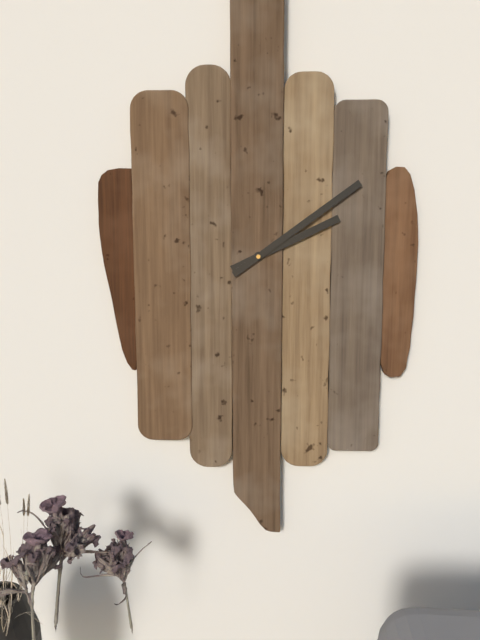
2:09
